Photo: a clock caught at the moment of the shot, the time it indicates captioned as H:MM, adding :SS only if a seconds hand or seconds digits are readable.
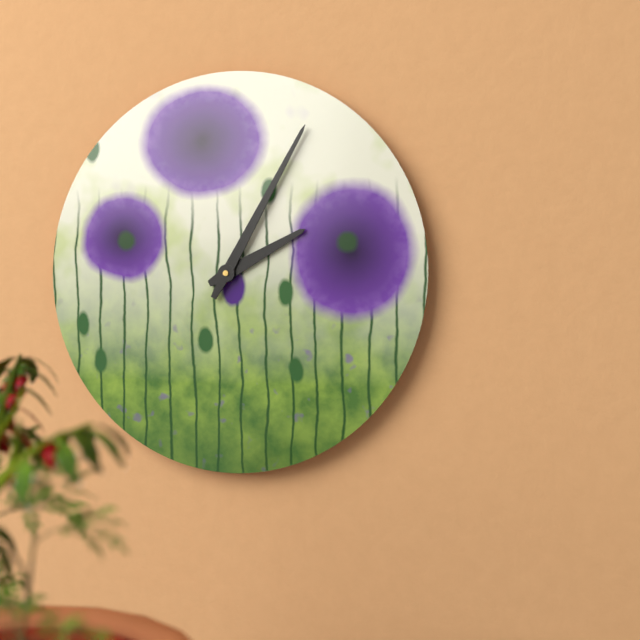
2:05
